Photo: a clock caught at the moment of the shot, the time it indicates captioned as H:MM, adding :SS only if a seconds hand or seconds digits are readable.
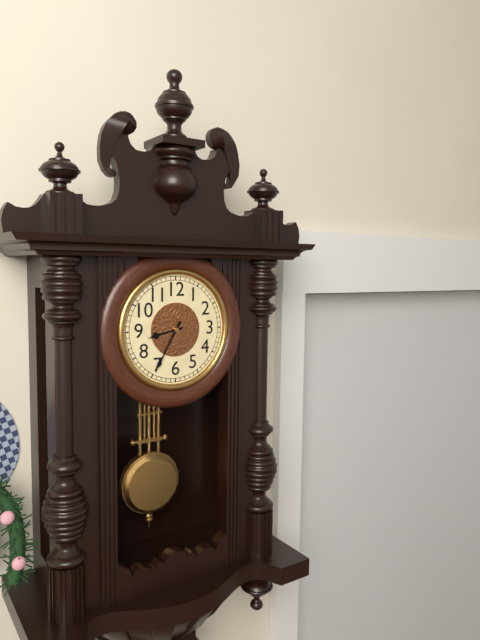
8:35
